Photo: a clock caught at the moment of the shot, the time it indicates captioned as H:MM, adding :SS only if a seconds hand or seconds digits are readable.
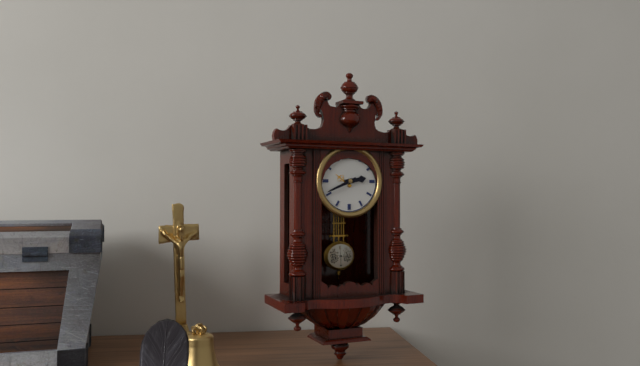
2:41
